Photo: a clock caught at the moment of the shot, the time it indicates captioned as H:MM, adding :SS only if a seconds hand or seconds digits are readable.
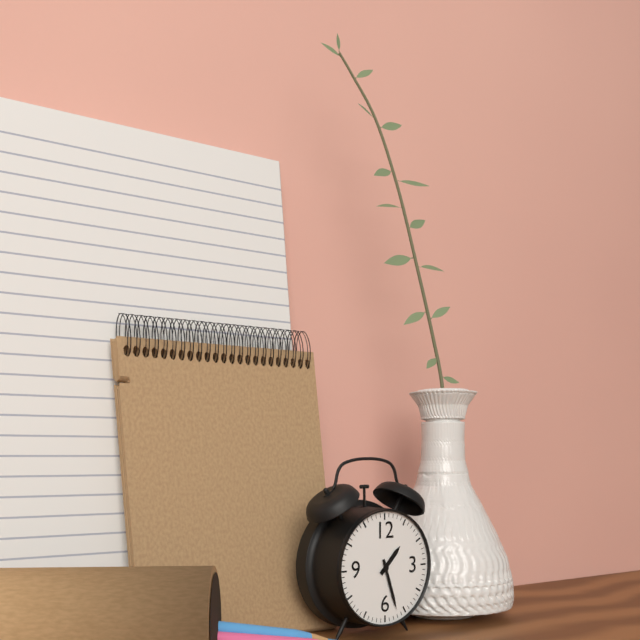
1:27
